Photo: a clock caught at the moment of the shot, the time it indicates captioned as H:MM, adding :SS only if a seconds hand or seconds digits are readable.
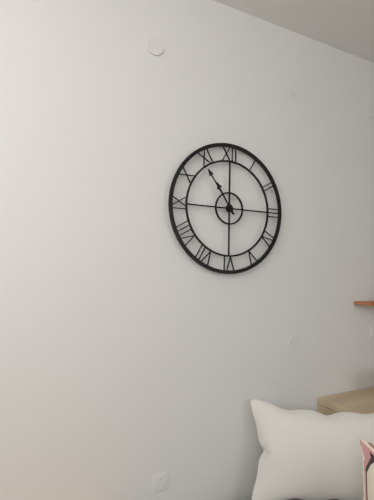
10:54
